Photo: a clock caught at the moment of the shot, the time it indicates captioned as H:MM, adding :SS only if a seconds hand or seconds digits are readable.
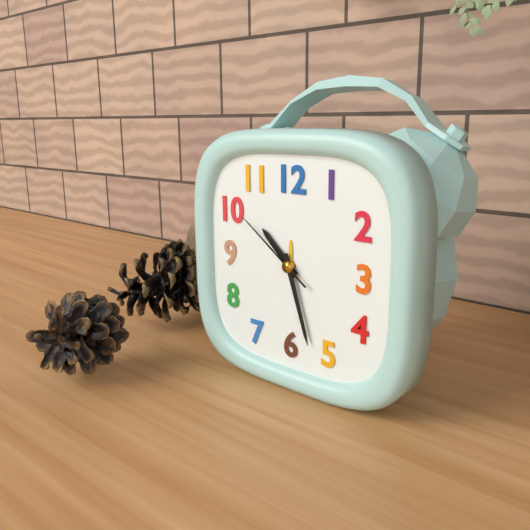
10:27:51
